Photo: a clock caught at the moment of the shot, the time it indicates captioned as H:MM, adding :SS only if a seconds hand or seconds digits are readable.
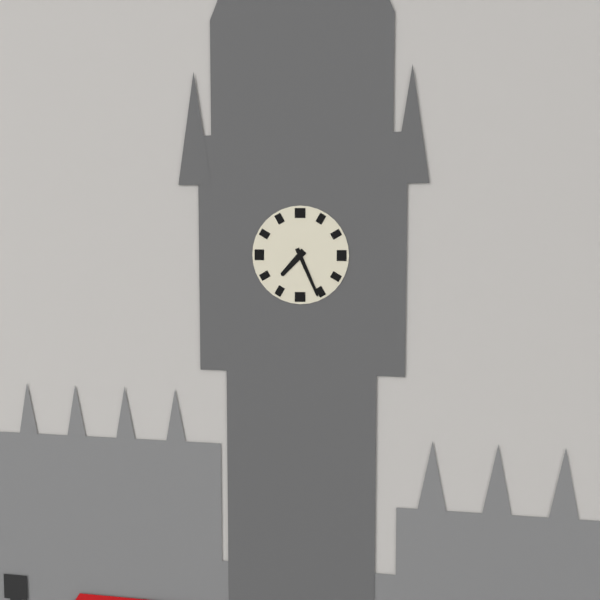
7:26
